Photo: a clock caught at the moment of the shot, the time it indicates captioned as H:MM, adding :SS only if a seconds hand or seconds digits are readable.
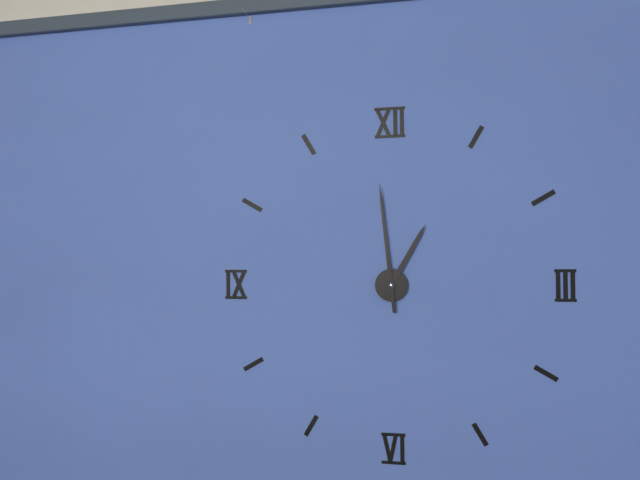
12:59
